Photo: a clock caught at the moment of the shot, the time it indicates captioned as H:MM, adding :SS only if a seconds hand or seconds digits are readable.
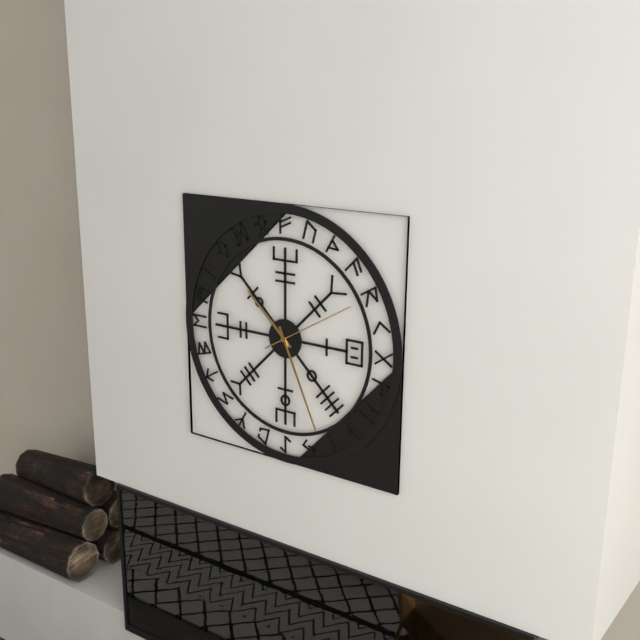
10:26:10
